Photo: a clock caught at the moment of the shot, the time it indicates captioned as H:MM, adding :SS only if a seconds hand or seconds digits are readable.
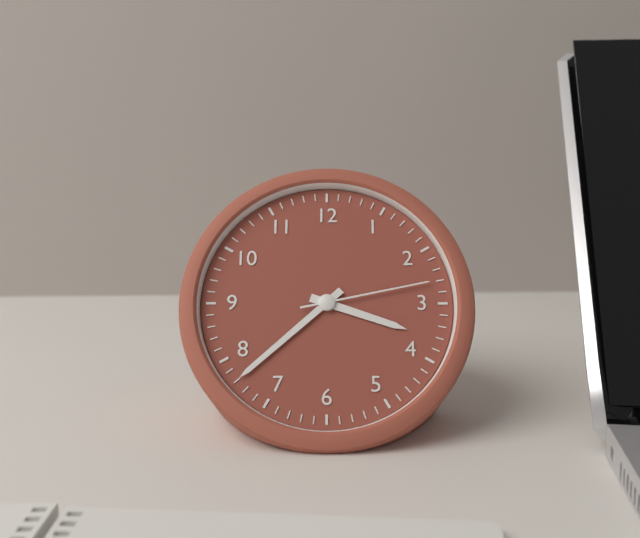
3:38:13
